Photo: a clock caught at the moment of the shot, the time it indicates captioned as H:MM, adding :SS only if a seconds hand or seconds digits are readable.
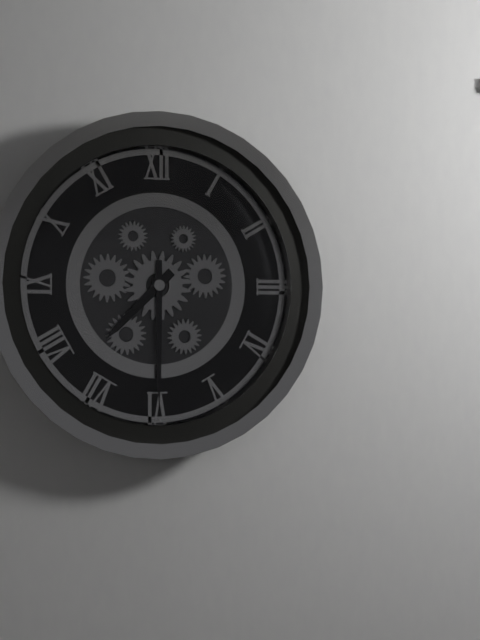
7:30
